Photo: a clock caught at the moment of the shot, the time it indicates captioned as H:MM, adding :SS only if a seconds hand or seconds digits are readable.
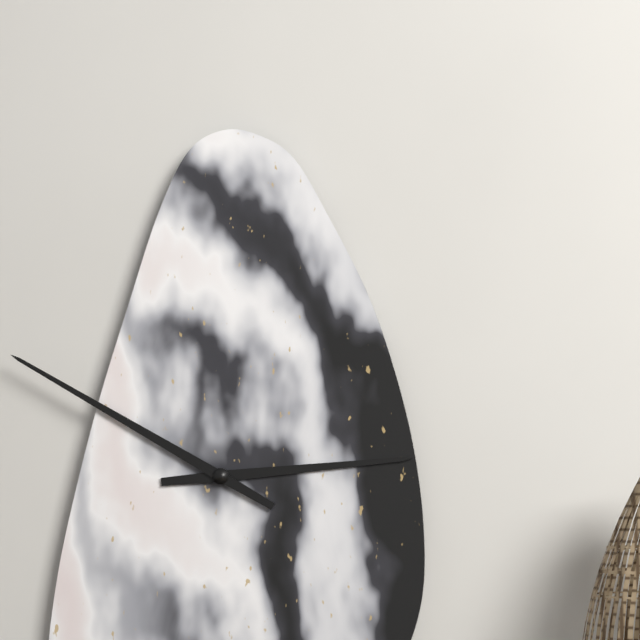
2:50
